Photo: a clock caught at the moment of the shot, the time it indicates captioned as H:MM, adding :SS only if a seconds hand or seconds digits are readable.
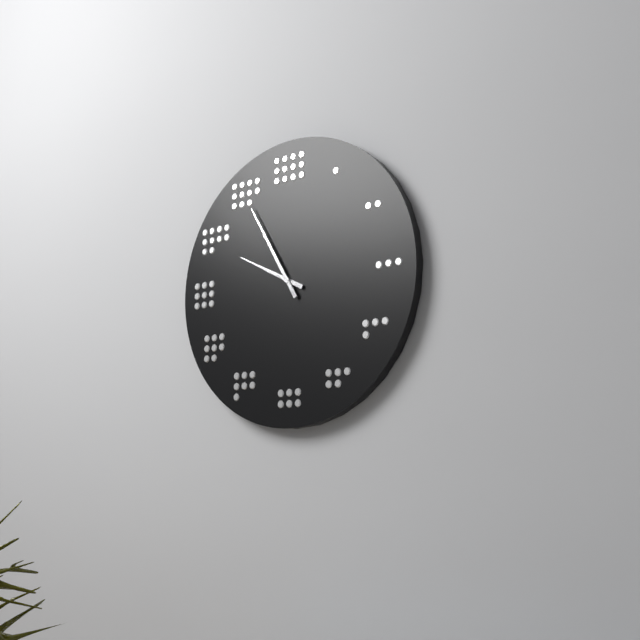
9:55
